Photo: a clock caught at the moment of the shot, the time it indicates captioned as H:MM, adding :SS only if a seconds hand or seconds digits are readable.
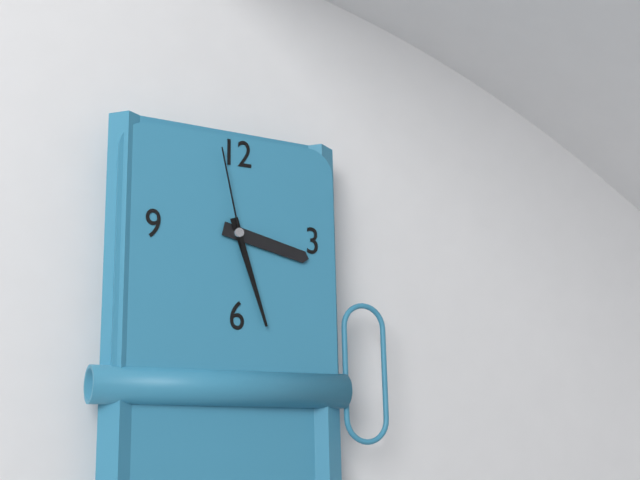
3:27:58
